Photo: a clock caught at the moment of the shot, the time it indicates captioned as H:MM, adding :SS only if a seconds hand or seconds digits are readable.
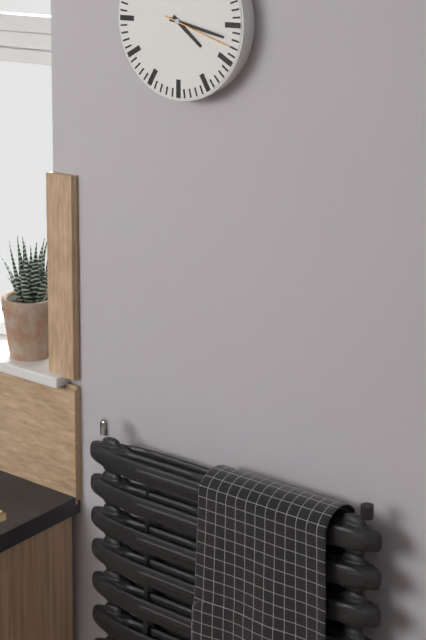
4:17:18
